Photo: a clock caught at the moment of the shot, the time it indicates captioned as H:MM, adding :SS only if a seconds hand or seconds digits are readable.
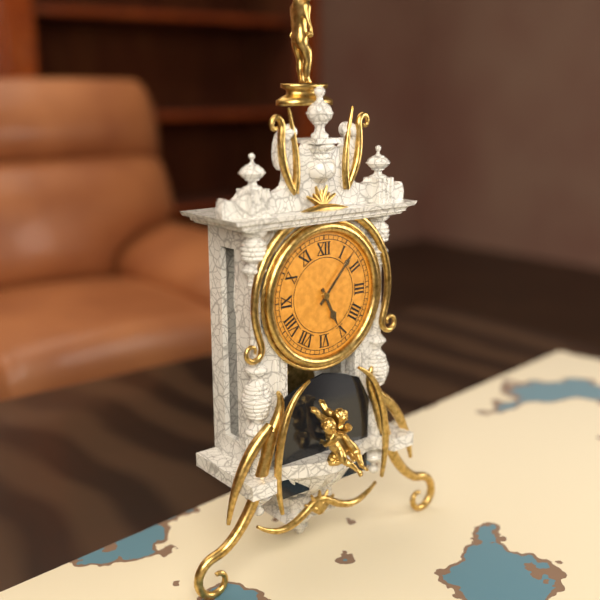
5:07
